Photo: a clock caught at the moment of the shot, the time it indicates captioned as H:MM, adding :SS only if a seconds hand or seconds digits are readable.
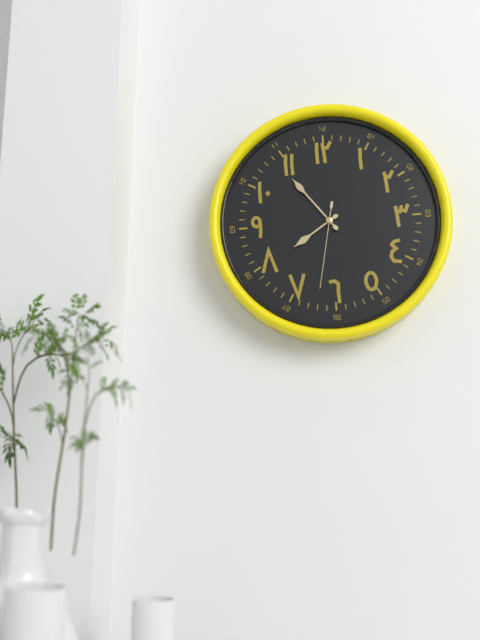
7:54:32
